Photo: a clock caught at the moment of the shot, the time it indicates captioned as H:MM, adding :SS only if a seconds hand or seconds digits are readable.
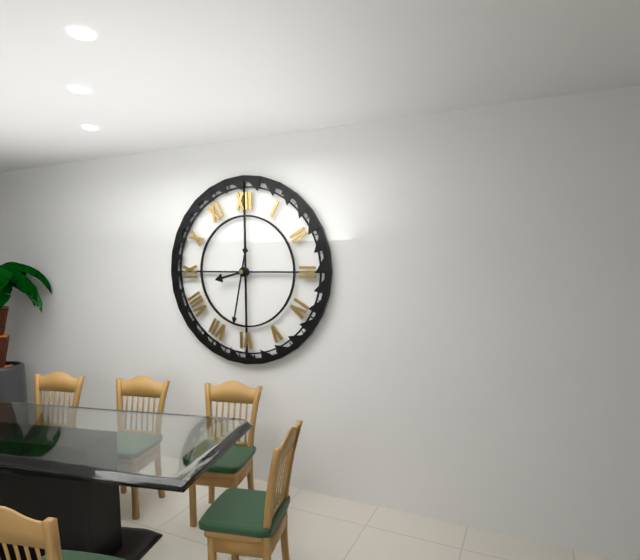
8:32
